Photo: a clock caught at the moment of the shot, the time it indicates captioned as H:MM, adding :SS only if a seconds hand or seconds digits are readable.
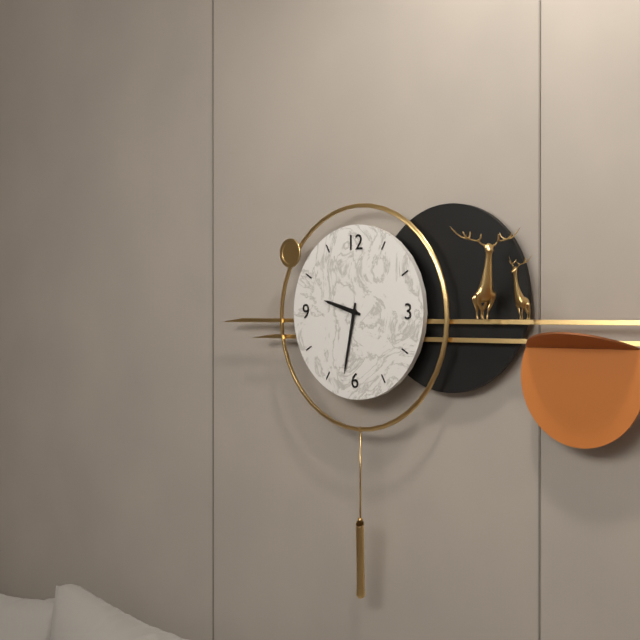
9:32
